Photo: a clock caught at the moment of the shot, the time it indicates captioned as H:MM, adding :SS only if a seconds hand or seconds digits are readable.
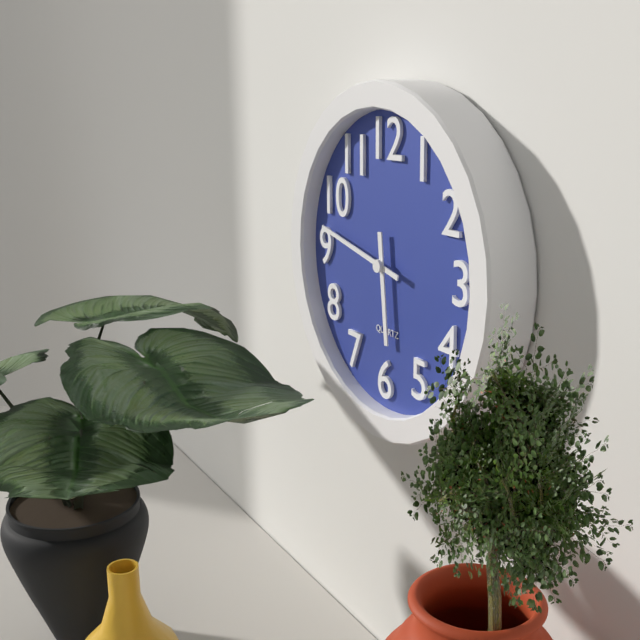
5:47
